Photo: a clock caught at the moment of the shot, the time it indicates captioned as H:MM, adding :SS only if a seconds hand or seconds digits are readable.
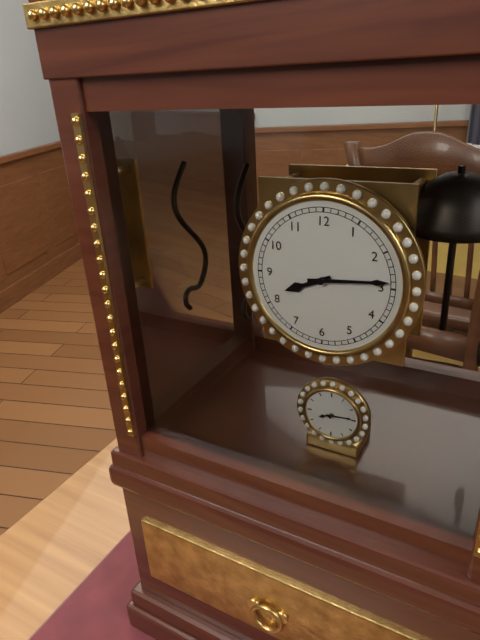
8:14
